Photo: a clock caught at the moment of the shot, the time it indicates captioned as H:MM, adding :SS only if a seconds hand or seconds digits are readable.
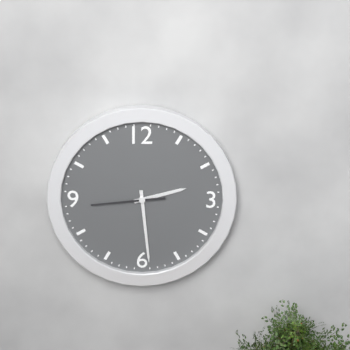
2:29:44
